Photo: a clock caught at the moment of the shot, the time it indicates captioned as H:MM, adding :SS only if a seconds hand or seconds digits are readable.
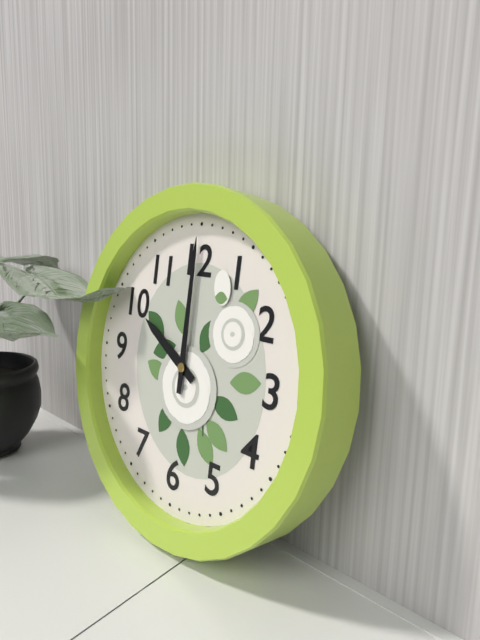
10:00
